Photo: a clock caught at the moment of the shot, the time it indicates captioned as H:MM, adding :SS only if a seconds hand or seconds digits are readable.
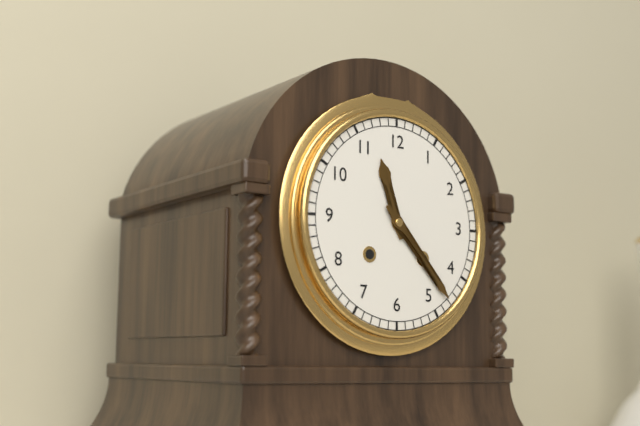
11:23
